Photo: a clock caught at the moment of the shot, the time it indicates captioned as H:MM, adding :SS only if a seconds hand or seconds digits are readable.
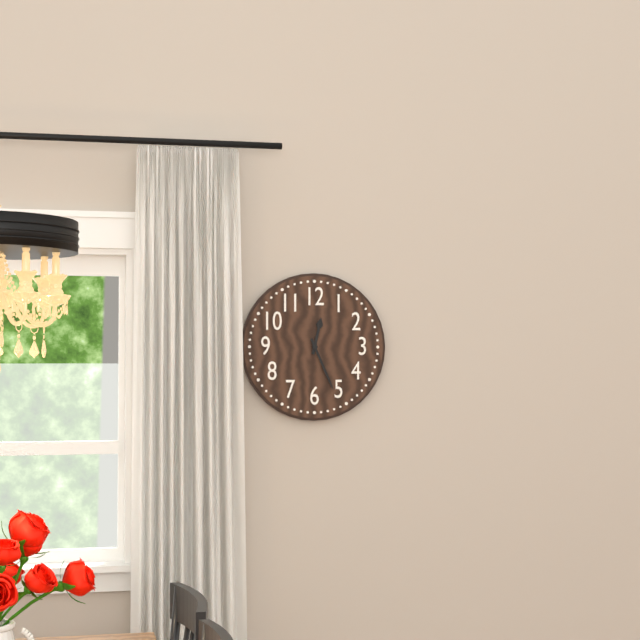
12:26
